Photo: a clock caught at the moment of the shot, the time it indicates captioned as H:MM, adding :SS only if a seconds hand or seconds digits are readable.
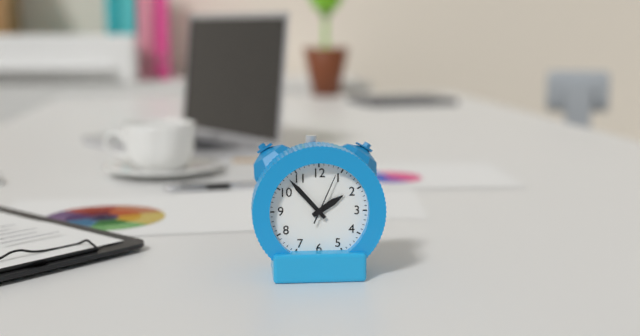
1:53:04
